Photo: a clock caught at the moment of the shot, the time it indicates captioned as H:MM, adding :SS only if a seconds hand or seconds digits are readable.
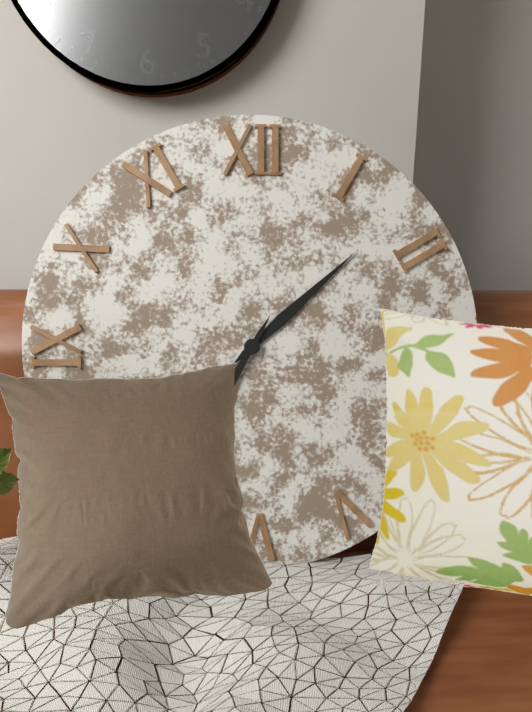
1:35
